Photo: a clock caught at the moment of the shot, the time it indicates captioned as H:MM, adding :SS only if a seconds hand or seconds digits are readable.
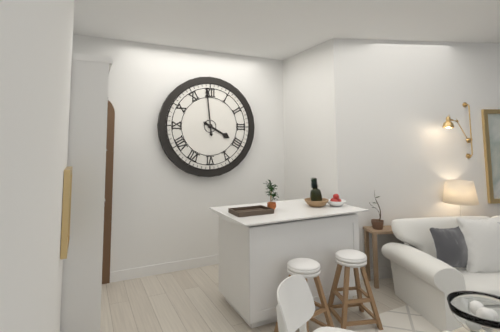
3:59
